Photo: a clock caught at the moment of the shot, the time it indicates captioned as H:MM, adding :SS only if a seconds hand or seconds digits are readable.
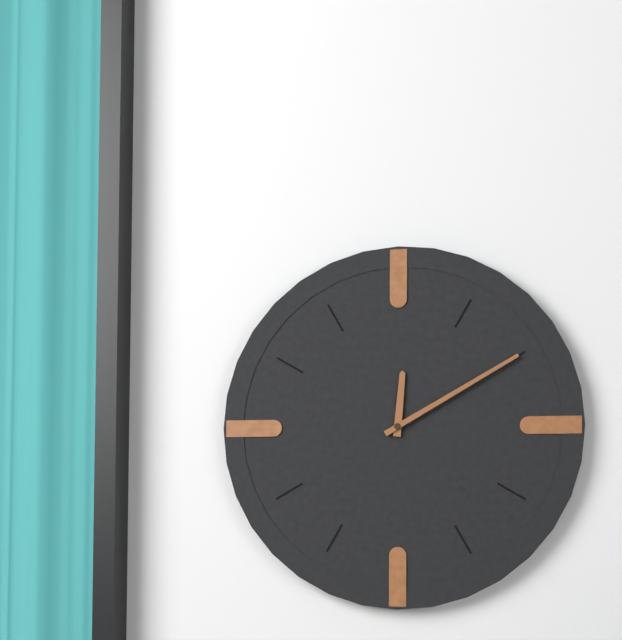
12:10
